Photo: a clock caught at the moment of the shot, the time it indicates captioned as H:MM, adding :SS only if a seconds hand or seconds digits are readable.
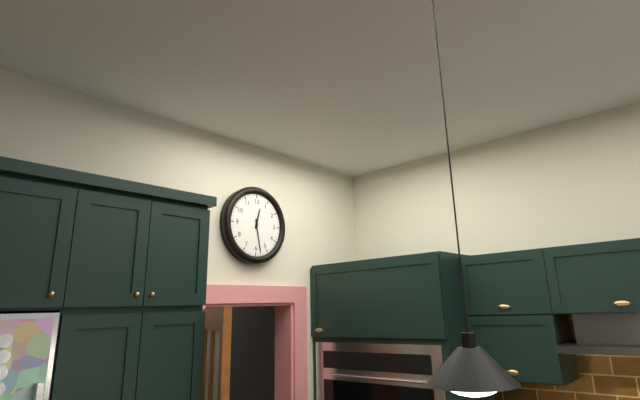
12:28
